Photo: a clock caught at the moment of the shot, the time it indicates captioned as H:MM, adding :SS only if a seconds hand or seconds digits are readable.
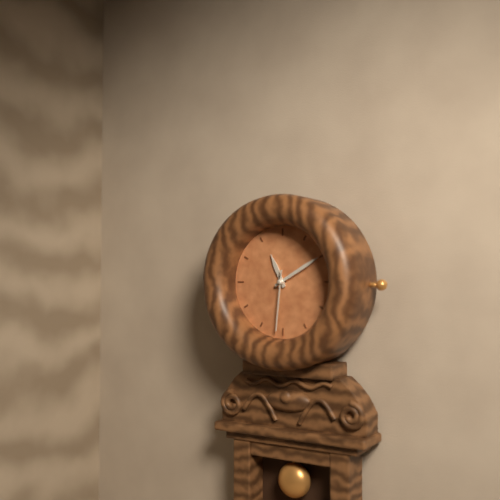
11:10:31
